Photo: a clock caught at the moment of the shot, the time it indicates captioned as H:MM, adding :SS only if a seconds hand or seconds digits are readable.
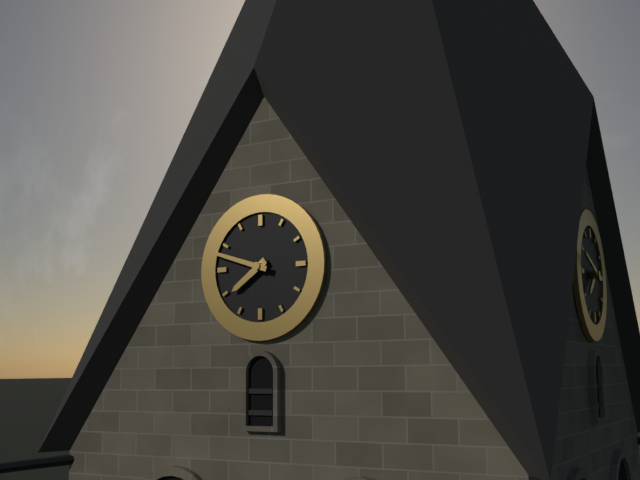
7:48
